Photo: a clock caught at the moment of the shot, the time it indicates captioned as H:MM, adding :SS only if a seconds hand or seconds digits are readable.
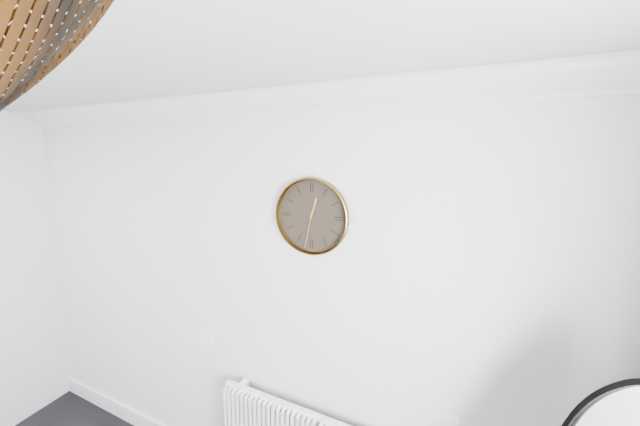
12:32
